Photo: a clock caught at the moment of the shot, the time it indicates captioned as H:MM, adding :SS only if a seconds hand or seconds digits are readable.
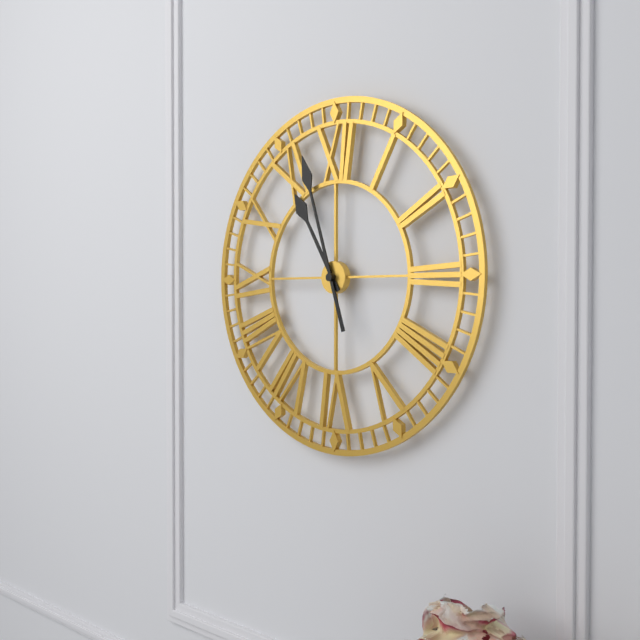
10:57
